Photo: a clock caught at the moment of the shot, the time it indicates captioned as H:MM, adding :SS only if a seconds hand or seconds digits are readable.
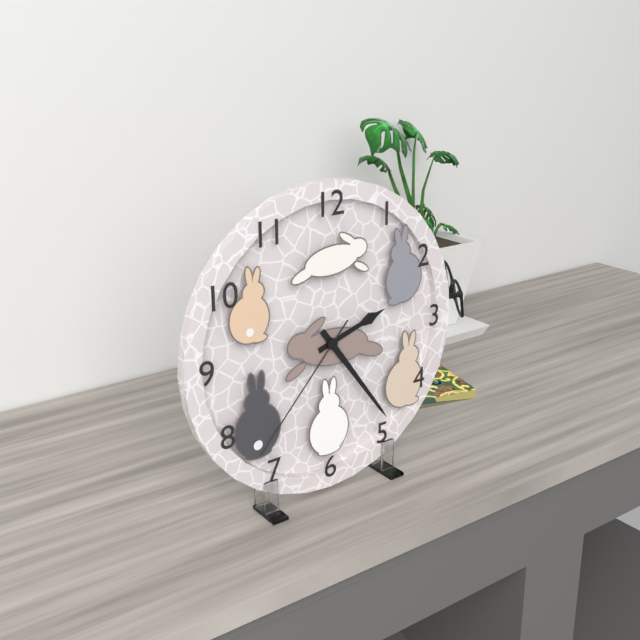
2:24:37
